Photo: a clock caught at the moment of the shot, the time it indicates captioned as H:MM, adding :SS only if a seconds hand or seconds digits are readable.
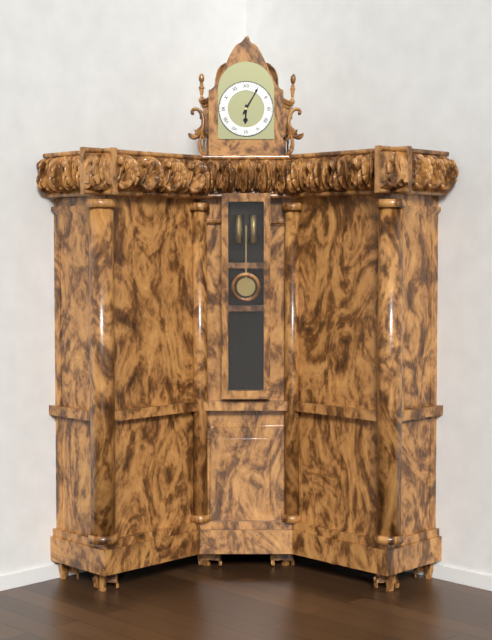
6:05
